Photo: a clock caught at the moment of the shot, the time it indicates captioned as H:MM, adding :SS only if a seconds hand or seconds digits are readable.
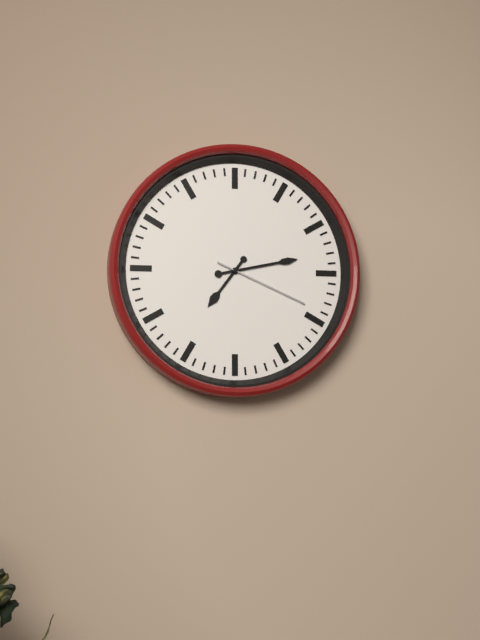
7:13:19
